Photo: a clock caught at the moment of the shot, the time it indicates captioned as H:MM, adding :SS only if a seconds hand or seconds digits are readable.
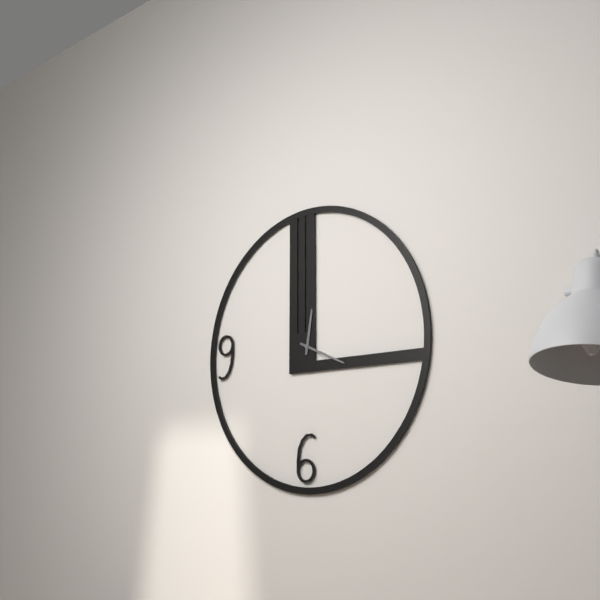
12:19
